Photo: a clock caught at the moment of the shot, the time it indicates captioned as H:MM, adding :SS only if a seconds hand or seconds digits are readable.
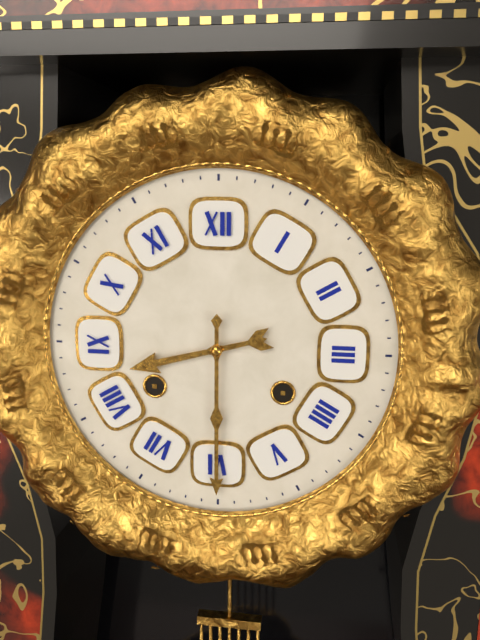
8:30
